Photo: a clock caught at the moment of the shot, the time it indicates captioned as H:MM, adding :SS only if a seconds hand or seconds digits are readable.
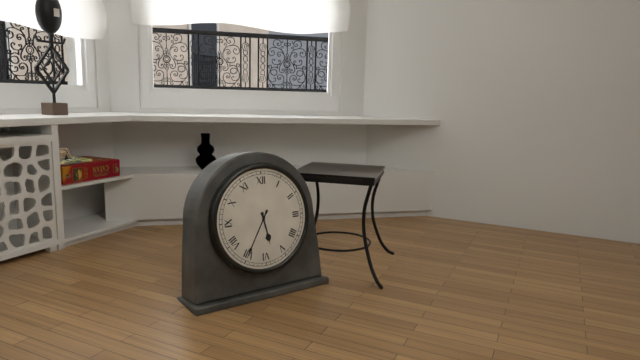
5:35
